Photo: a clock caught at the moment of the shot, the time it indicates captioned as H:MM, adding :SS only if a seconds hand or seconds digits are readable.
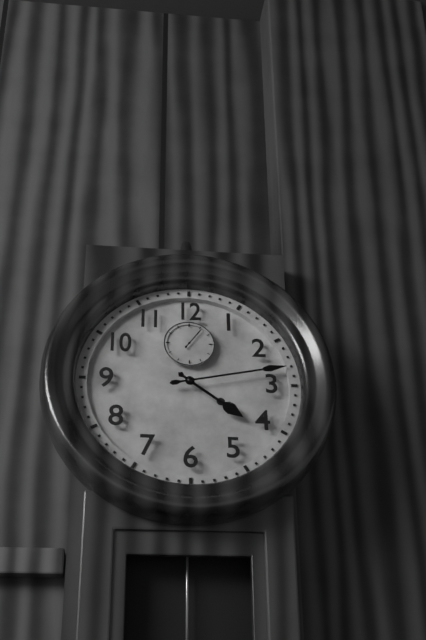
4:13
